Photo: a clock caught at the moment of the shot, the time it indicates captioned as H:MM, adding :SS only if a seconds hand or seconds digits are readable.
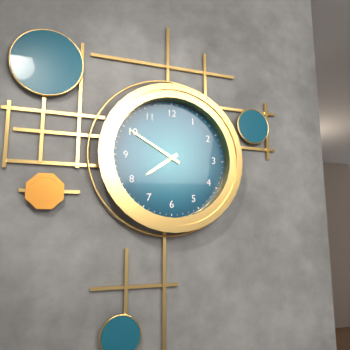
7:50
